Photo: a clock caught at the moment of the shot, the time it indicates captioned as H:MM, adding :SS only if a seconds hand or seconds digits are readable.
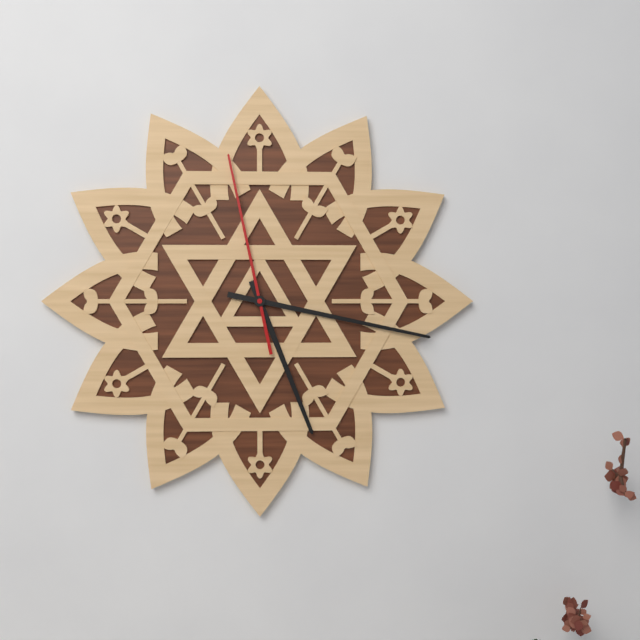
5:17:58
